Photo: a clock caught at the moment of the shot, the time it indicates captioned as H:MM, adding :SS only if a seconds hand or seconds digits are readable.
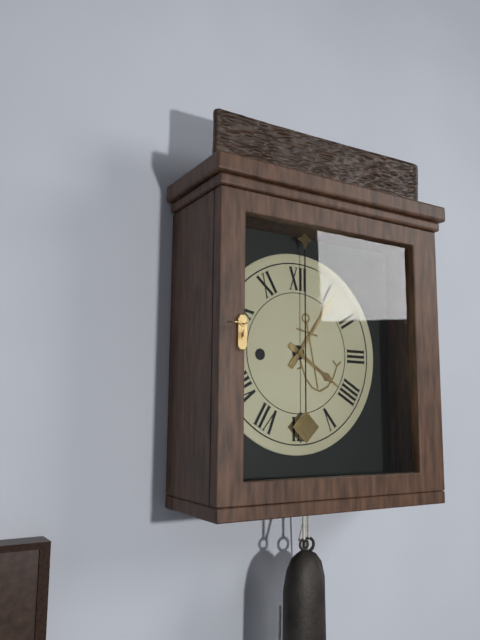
4:06
